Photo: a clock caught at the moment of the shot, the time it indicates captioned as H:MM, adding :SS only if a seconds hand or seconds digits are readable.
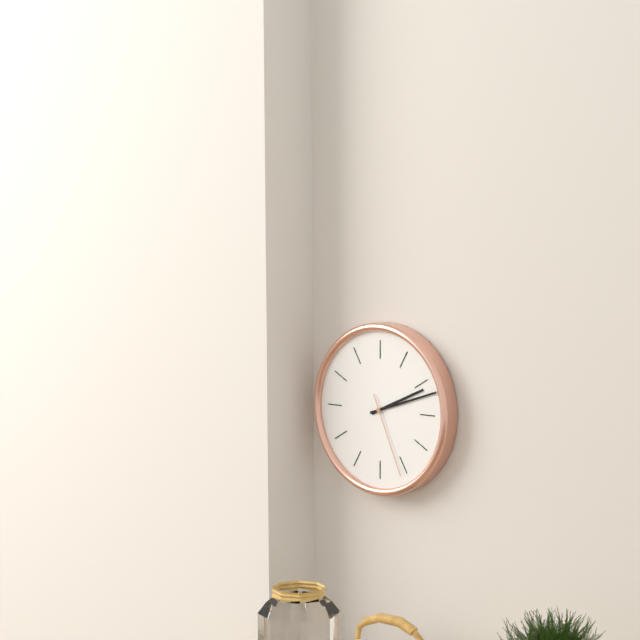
2:12:26
